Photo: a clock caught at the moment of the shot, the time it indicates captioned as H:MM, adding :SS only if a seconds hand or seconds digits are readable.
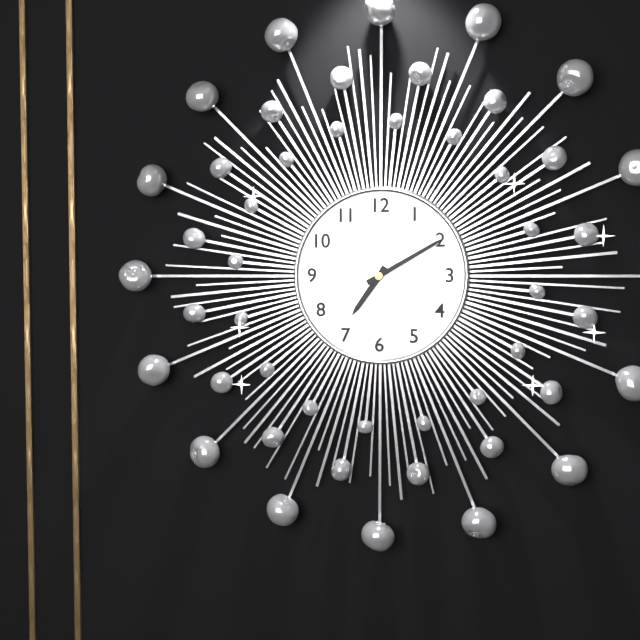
7:10
